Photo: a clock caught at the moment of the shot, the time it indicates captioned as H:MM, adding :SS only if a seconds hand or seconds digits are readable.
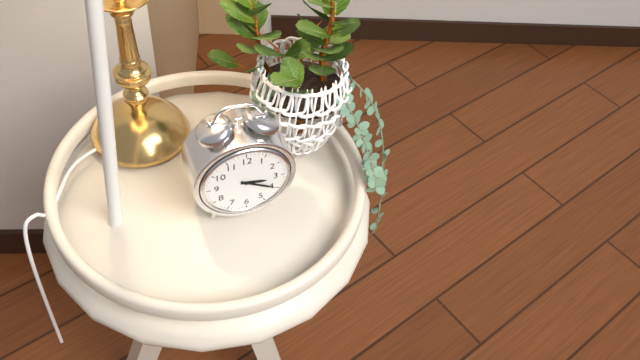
3:20
